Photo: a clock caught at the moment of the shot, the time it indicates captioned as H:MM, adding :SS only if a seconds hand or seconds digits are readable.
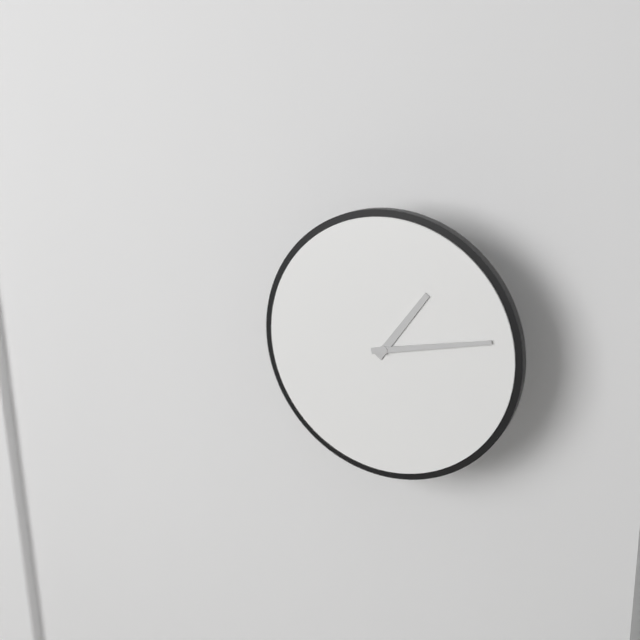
1:13
